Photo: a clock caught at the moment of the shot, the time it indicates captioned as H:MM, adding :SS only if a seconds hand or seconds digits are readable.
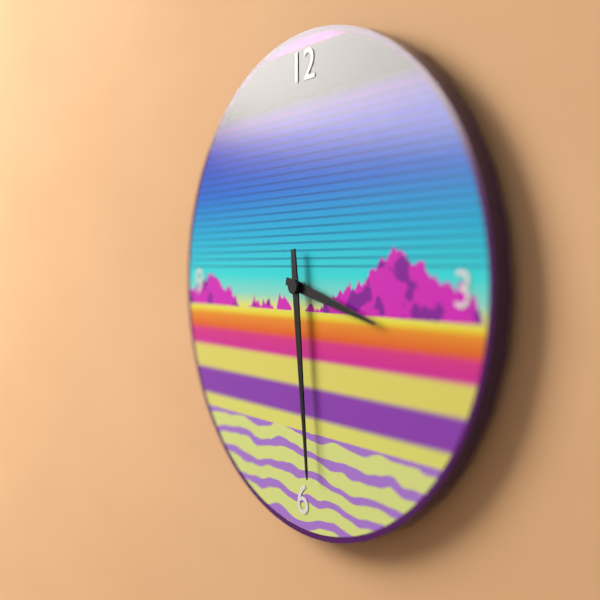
3:29
